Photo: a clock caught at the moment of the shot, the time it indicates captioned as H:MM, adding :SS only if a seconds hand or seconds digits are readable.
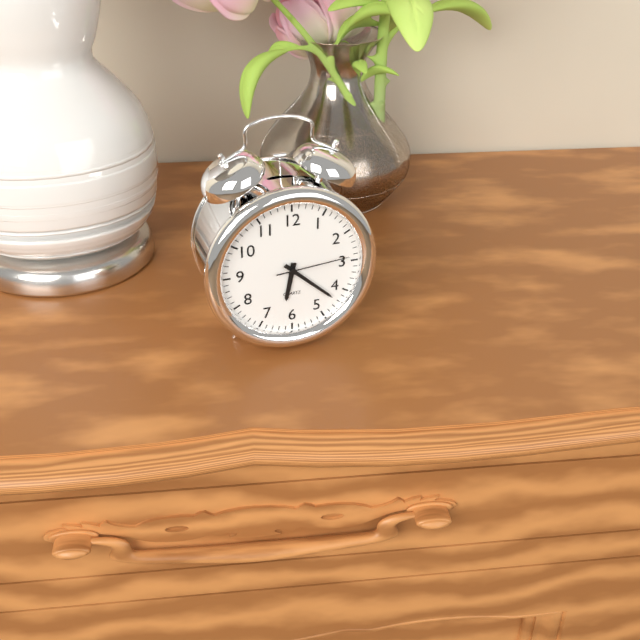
6:22:14
